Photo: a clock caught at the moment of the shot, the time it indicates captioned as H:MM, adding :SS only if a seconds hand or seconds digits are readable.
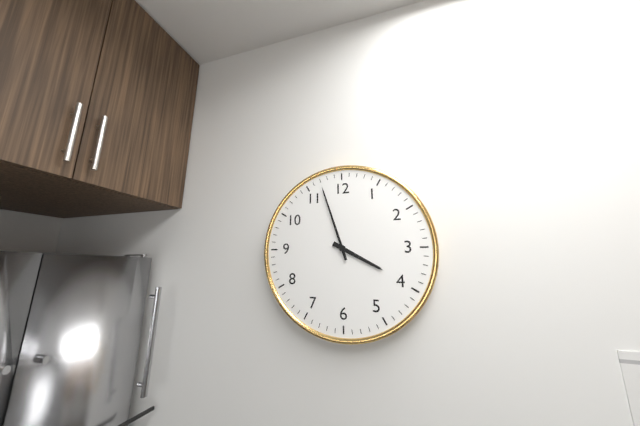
3:57
